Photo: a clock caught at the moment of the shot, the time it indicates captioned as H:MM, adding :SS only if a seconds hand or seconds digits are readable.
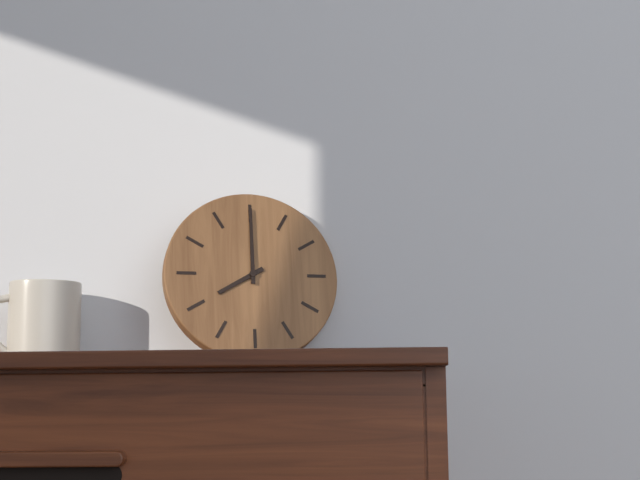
8:00
